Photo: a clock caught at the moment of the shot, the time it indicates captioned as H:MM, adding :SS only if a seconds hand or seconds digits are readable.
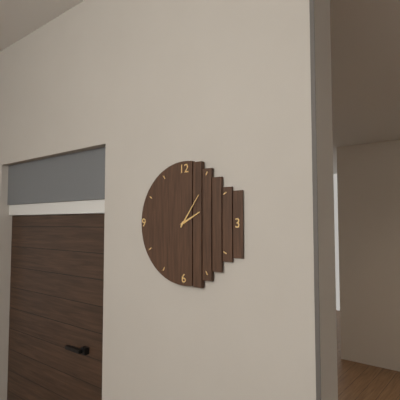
2:06
